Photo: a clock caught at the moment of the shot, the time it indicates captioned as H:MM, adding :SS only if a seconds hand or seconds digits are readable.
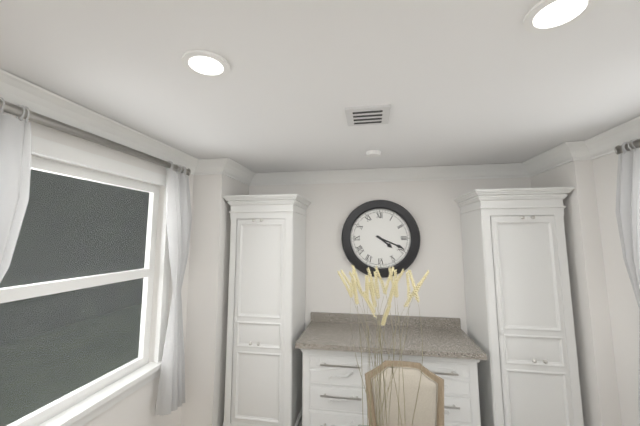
4:19
